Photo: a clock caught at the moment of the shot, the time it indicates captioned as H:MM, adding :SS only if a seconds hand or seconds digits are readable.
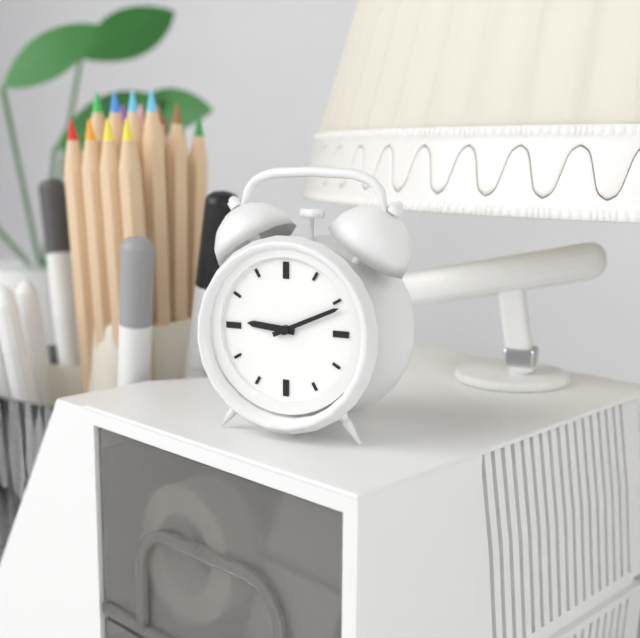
9:11
